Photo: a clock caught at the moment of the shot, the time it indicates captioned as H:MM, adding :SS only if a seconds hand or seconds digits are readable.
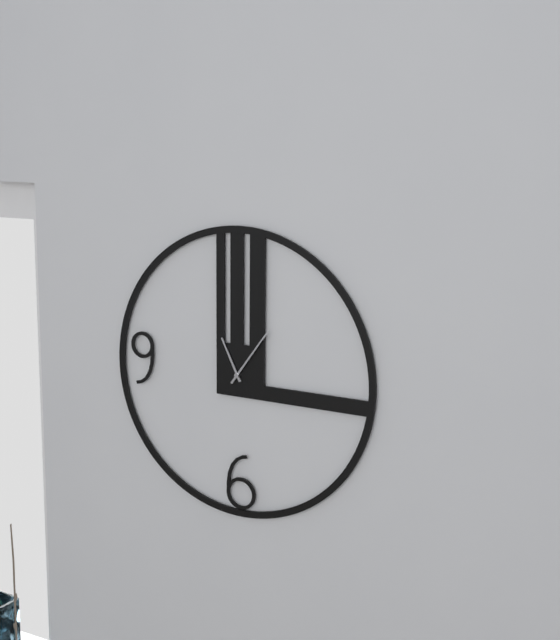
11:06
